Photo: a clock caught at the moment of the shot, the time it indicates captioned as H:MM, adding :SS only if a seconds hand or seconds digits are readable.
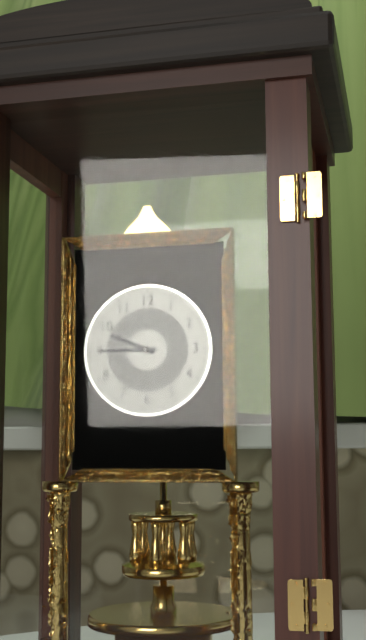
9:45
